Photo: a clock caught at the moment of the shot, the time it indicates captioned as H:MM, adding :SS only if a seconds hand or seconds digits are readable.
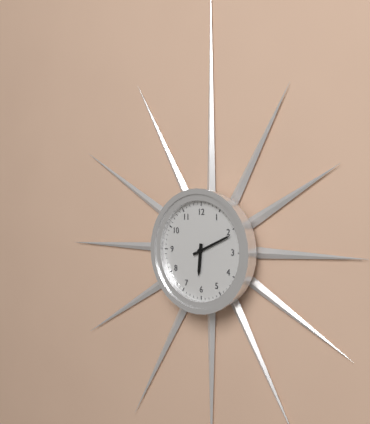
6:11
